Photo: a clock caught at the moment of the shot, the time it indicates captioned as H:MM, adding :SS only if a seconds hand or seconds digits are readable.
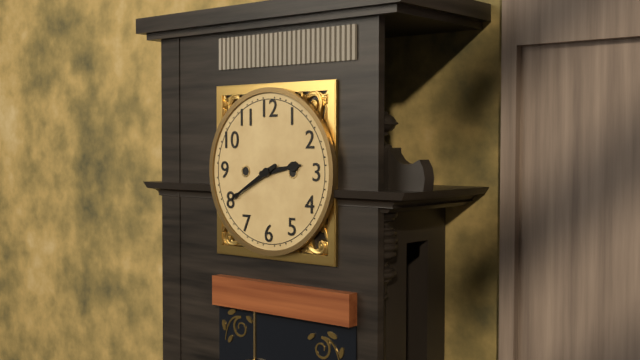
2:40
